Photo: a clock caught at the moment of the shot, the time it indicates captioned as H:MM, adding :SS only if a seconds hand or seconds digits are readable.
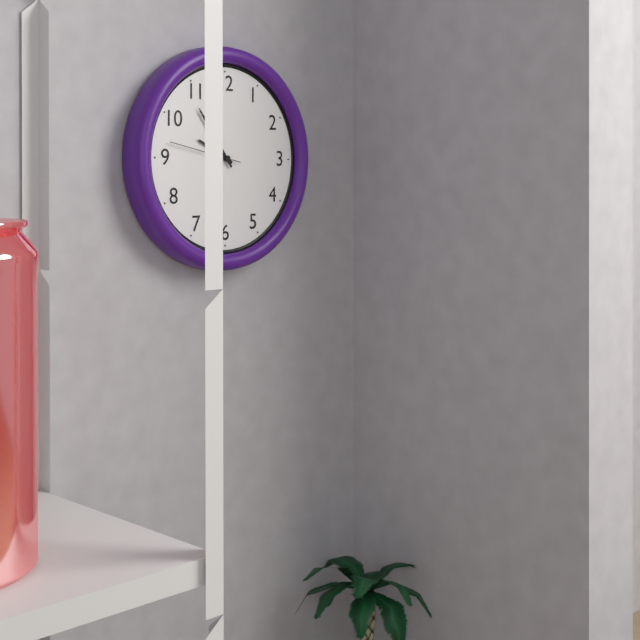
9:54:47
